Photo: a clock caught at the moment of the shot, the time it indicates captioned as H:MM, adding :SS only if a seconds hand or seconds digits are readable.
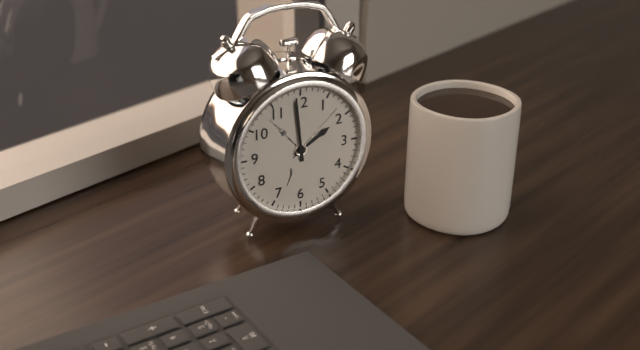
1:59
